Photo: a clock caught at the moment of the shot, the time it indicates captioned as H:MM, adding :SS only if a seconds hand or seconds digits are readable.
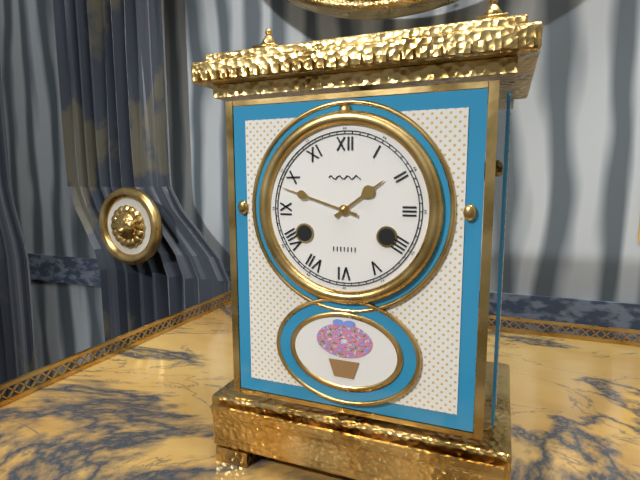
1:48
